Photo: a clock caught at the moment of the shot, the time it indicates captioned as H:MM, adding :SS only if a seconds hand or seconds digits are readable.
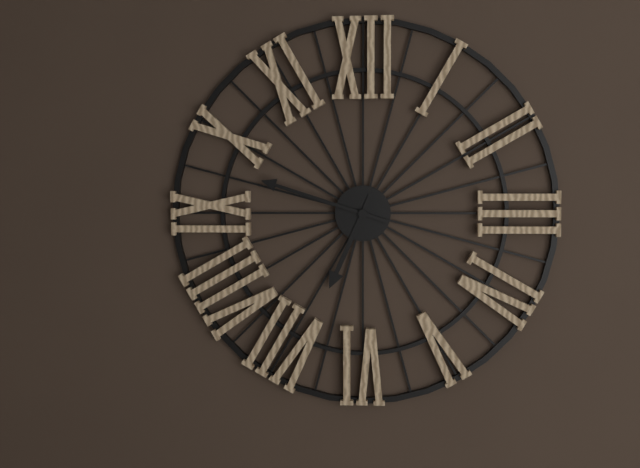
6:48
